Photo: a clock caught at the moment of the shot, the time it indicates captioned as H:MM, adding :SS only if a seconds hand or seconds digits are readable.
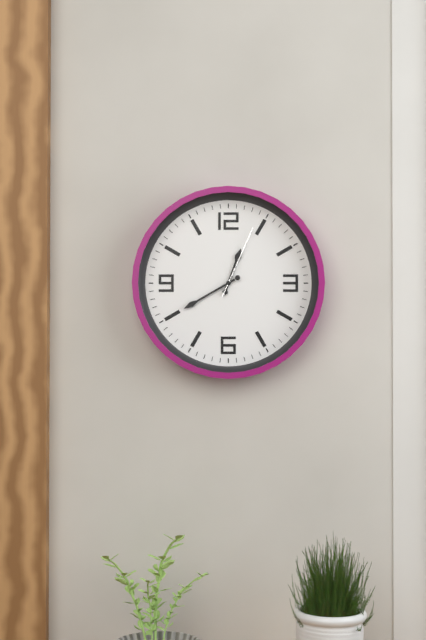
12:40:04
